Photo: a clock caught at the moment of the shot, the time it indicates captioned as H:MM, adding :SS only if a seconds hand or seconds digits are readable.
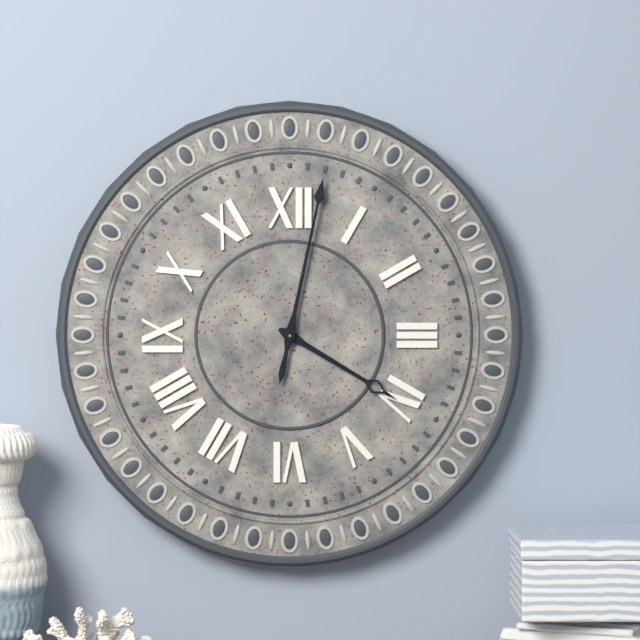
4:02
